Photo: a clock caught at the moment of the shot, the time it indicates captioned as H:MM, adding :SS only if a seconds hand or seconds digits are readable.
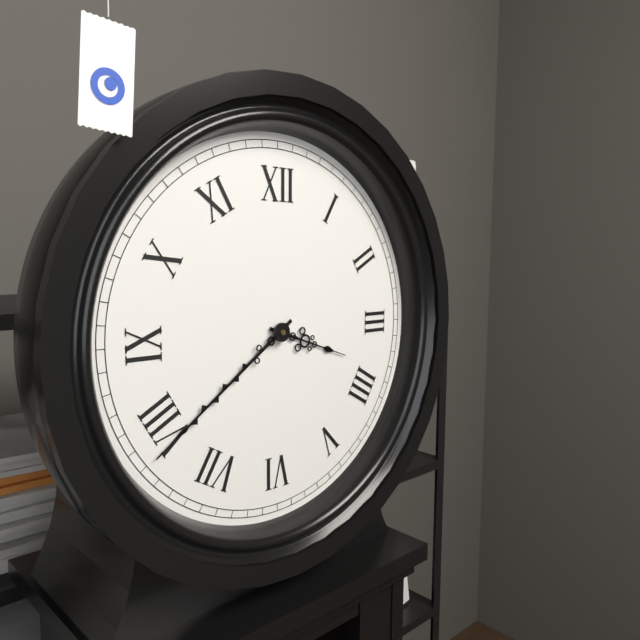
3:39
